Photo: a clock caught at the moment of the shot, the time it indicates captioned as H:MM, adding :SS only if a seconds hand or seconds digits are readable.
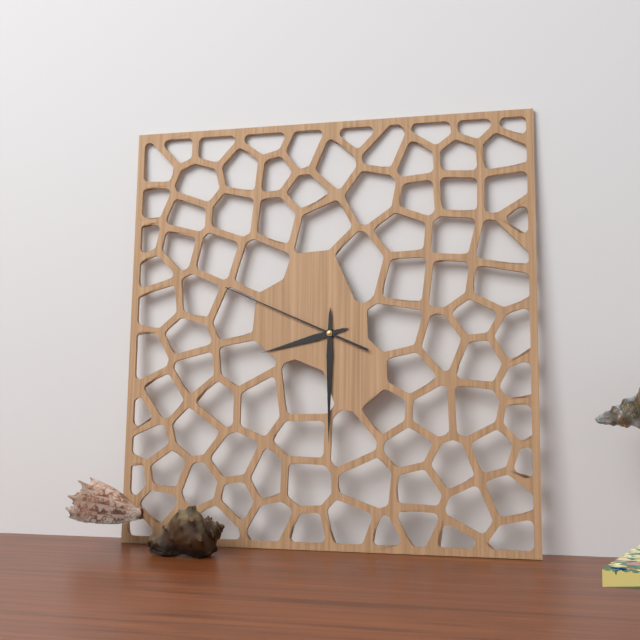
8:30:49
